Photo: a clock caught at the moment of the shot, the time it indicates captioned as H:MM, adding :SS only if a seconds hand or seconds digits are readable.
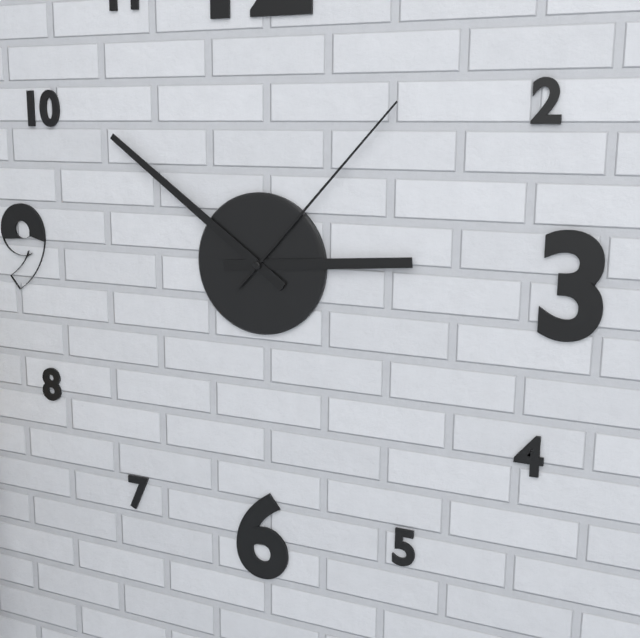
2:51:07
